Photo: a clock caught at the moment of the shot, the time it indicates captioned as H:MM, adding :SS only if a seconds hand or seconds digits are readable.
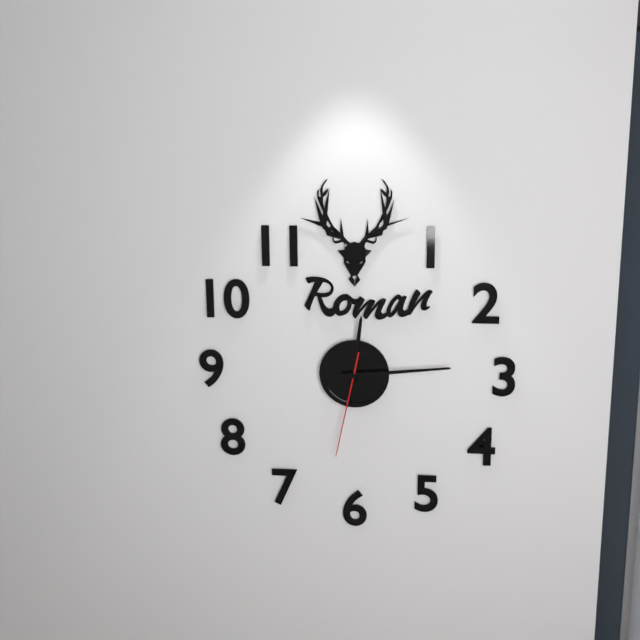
12:14:32
